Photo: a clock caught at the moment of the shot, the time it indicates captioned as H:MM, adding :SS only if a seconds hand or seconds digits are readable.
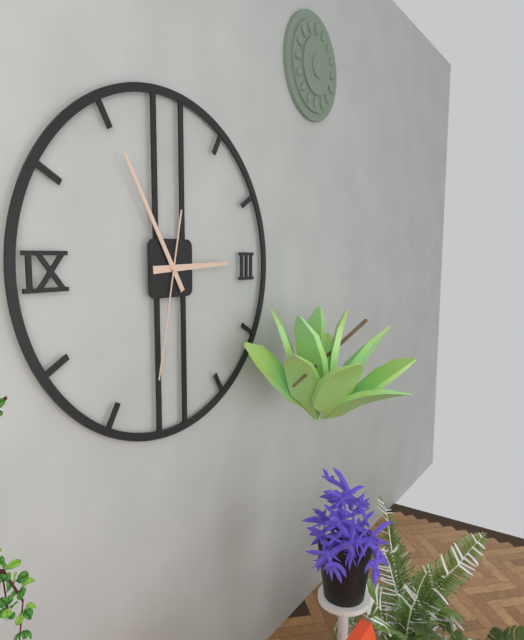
2:55:32
